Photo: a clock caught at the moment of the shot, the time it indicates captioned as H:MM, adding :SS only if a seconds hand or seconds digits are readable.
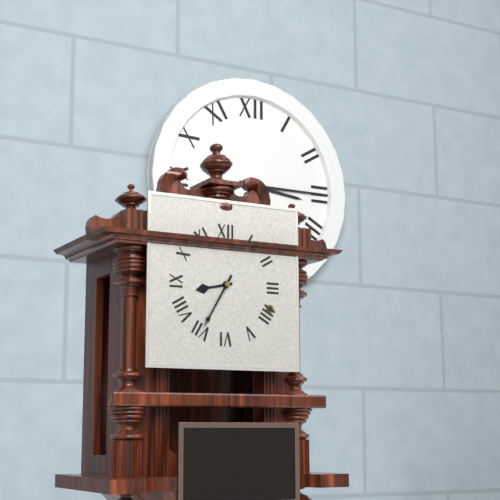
8:35
